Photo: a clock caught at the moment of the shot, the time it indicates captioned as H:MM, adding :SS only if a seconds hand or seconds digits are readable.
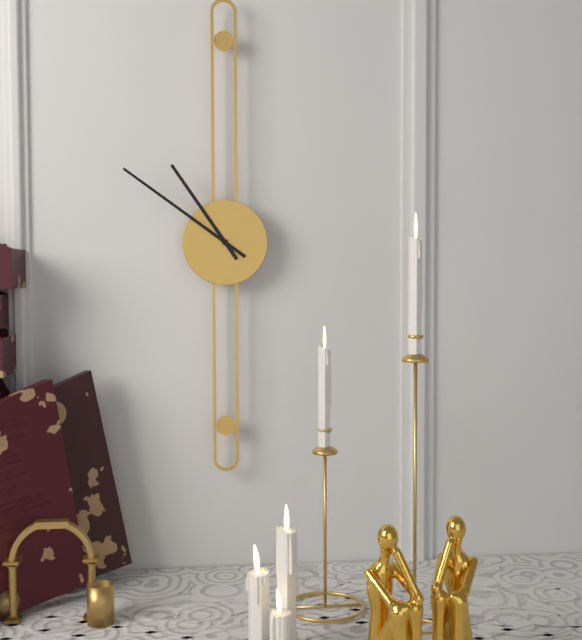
10:51
